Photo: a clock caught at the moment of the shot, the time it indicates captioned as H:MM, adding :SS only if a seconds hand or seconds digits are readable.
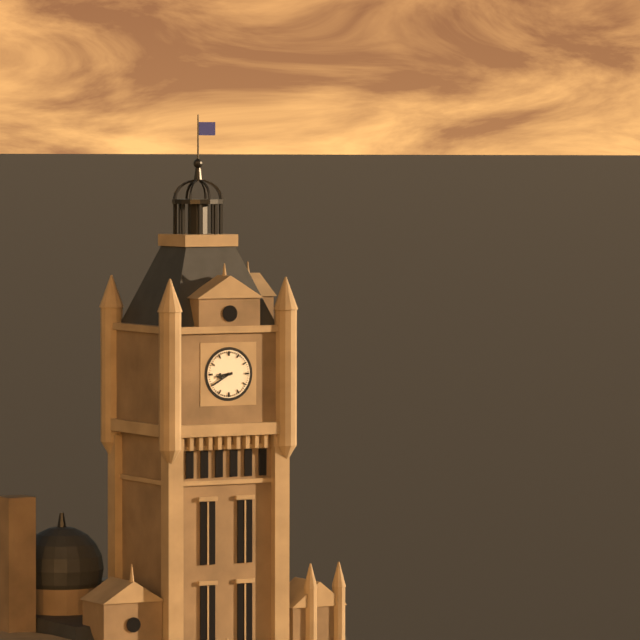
8:40
